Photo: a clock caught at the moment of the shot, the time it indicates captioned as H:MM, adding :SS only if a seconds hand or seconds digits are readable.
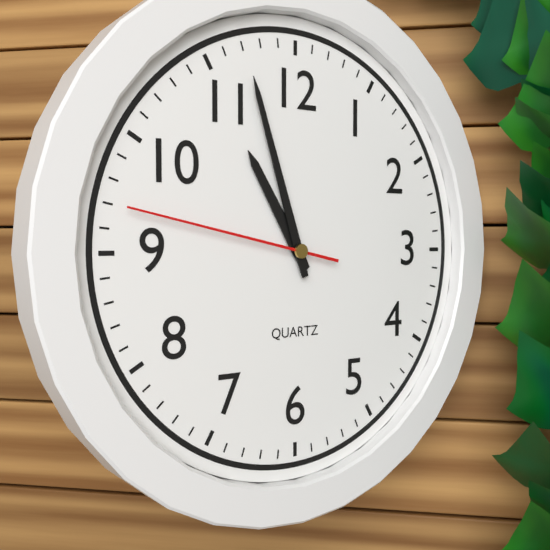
10:57:47
